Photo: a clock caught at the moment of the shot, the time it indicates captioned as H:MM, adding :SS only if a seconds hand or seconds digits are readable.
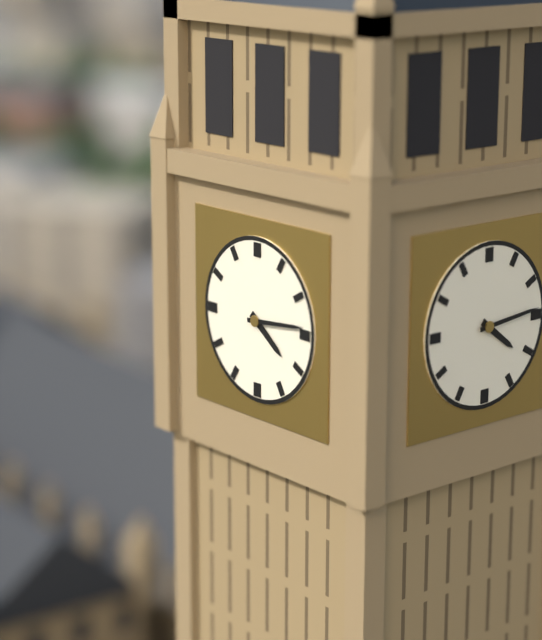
4:14
